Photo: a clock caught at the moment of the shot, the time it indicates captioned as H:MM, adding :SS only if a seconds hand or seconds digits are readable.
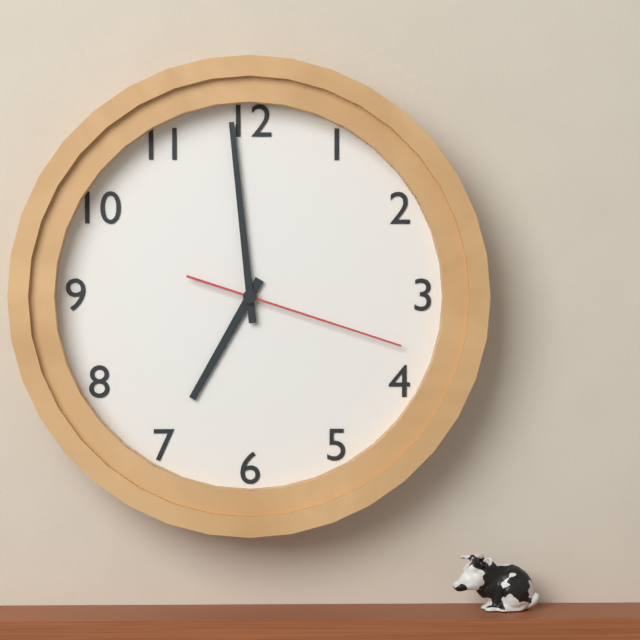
6:59:18
